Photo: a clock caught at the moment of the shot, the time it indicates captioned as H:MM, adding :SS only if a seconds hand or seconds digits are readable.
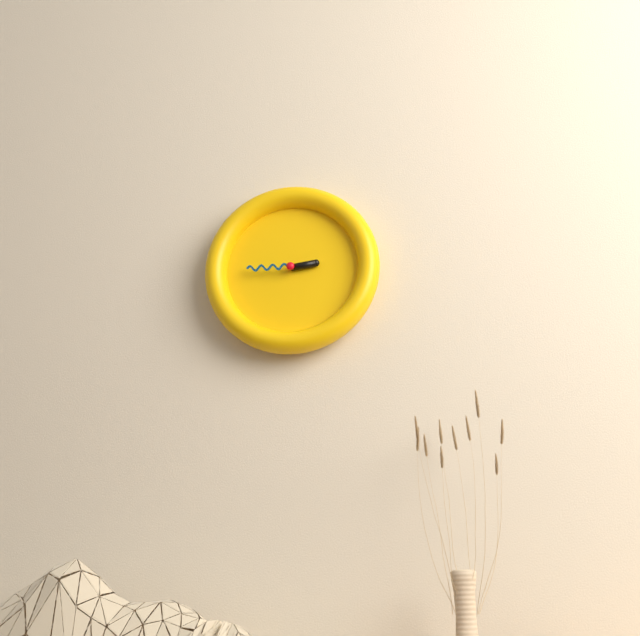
2:45
